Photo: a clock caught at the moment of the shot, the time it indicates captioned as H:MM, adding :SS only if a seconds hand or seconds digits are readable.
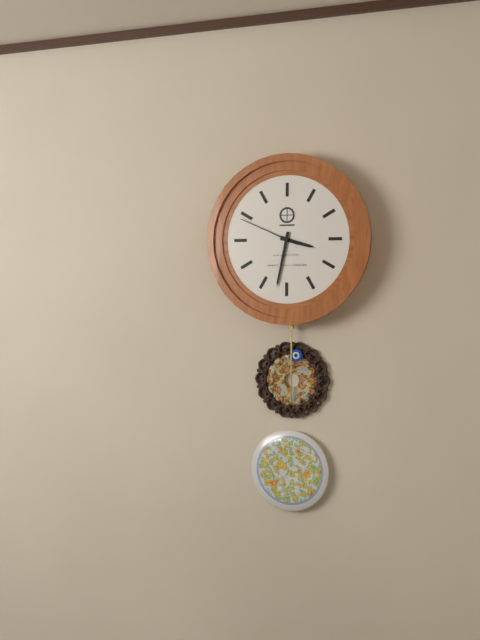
3:32:49
